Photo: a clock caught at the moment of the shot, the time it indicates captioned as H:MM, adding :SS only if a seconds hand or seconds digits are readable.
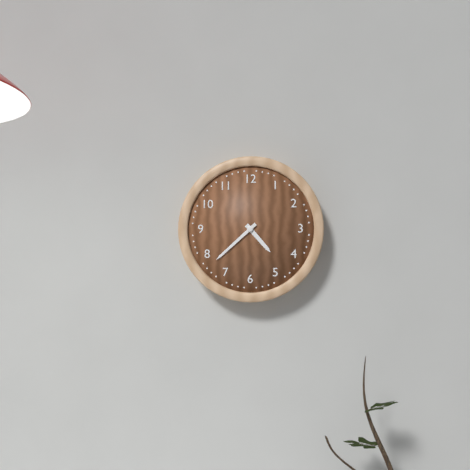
4:38
